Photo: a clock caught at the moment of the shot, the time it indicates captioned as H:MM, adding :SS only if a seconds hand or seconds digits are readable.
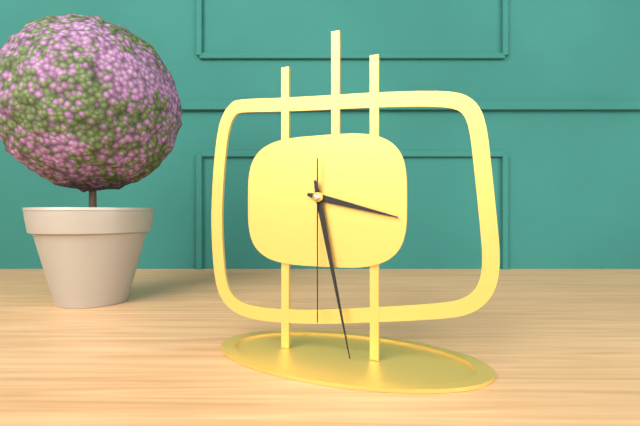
3:28:30
